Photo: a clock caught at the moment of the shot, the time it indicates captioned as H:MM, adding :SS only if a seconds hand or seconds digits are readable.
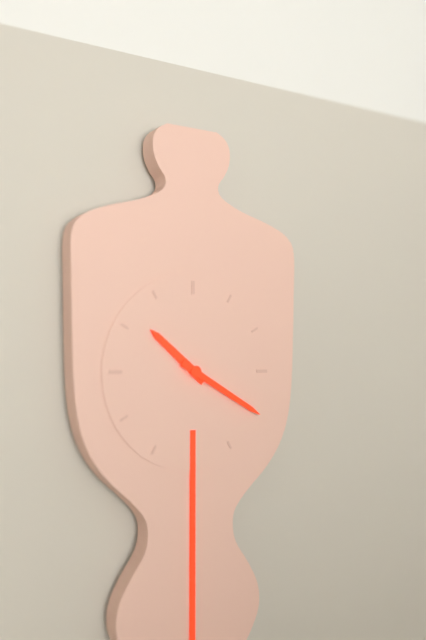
10:20
